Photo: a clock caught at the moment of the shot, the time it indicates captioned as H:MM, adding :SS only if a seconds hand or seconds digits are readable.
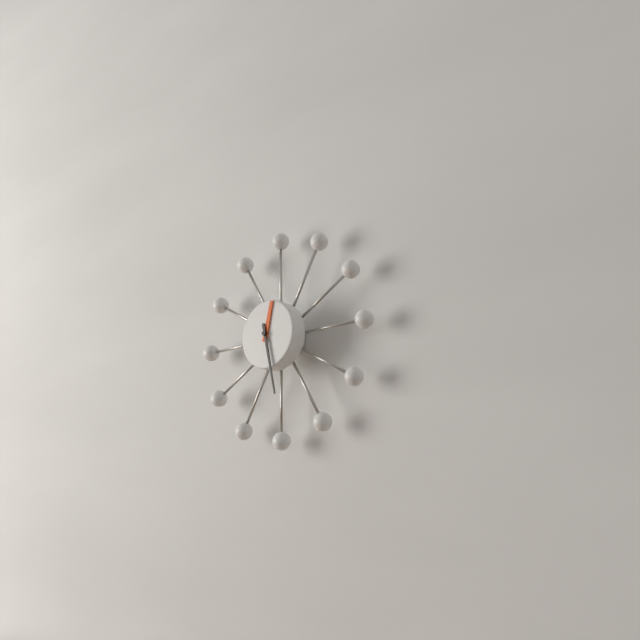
12:28
